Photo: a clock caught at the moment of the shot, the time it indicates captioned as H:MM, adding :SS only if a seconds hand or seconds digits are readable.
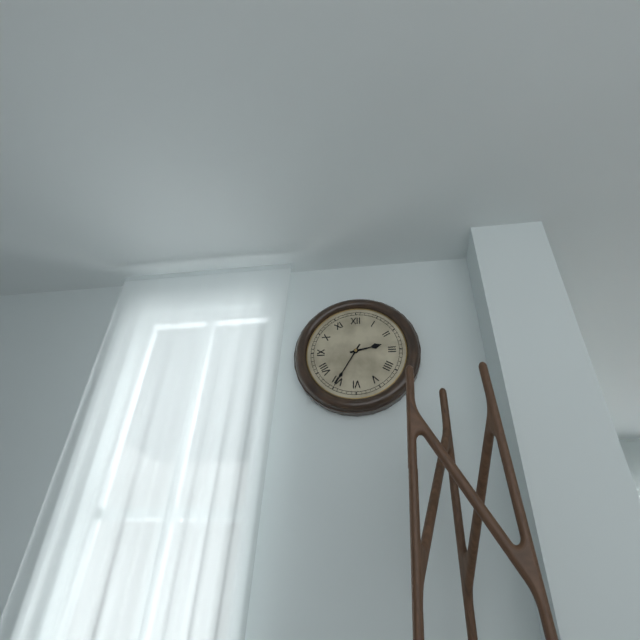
2:35
